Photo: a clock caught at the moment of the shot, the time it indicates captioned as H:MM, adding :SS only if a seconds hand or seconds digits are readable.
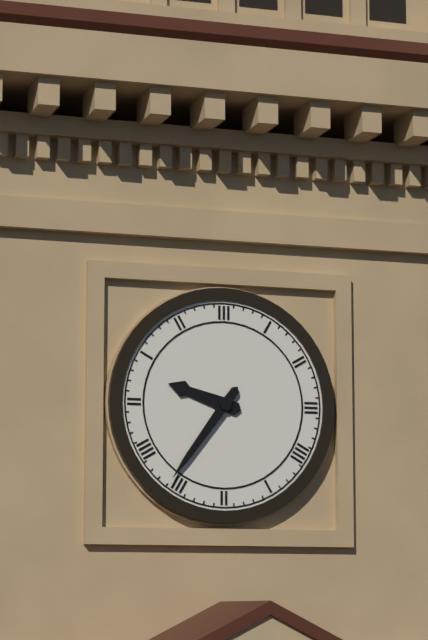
9:36
